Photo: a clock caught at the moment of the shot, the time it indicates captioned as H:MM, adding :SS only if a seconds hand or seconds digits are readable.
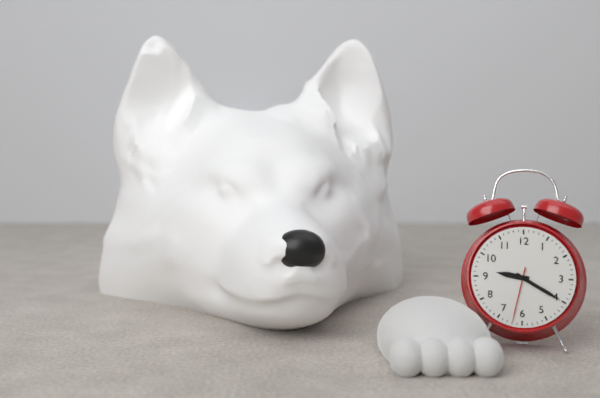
9:20:32
